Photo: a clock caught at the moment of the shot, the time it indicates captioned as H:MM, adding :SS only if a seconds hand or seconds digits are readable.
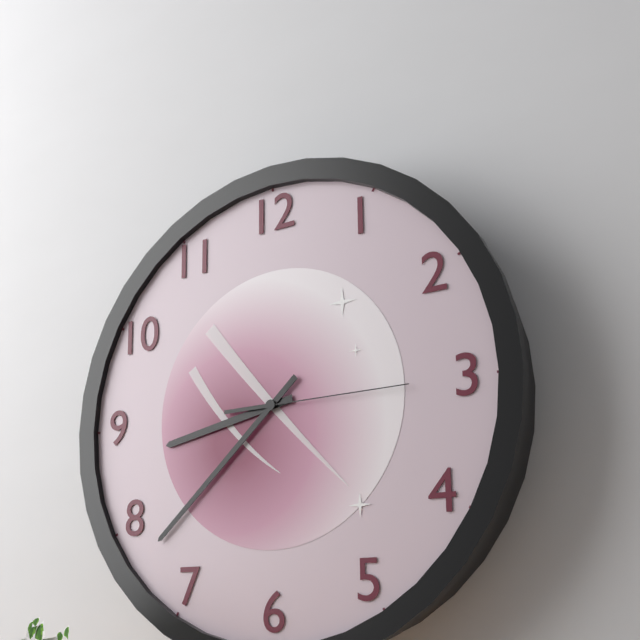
8:38:15
